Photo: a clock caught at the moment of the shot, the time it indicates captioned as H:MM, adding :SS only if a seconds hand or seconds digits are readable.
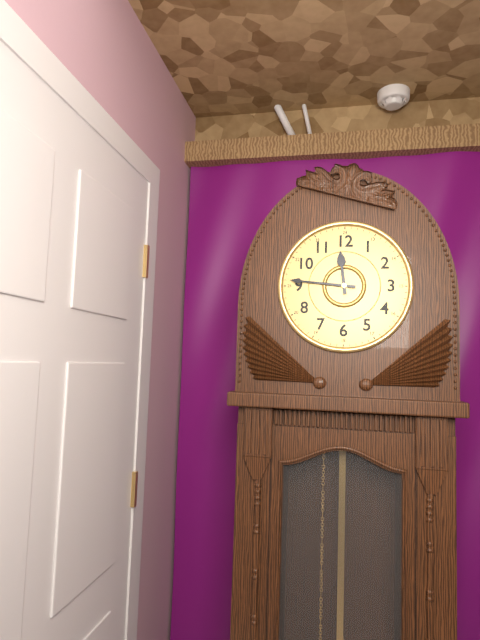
11:46
